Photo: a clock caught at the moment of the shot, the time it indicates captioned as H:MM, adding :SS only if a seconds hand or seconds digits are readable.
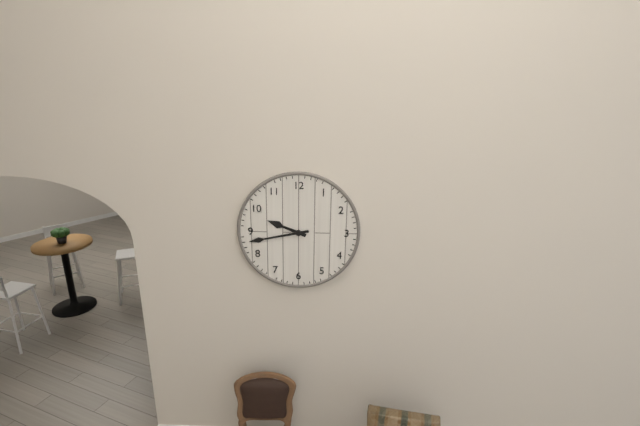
9:43
